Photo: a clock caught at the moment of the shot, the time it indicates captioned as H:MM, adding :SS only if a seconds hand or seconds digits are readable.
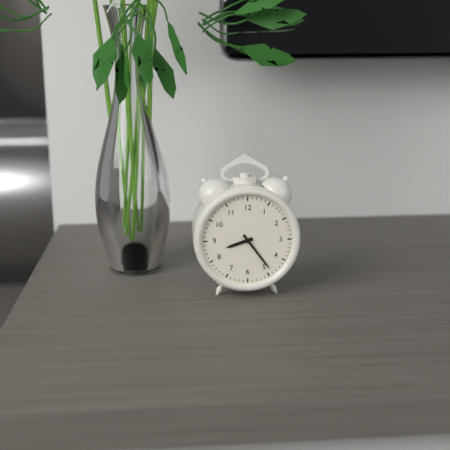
8:24
